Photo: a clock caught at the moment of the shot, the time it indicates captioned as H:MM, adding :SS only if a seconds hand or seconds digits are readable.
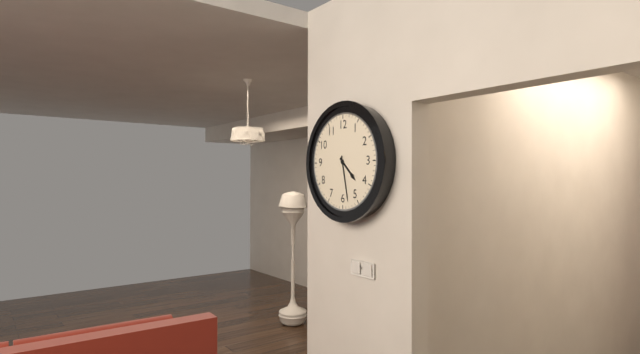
4:28
